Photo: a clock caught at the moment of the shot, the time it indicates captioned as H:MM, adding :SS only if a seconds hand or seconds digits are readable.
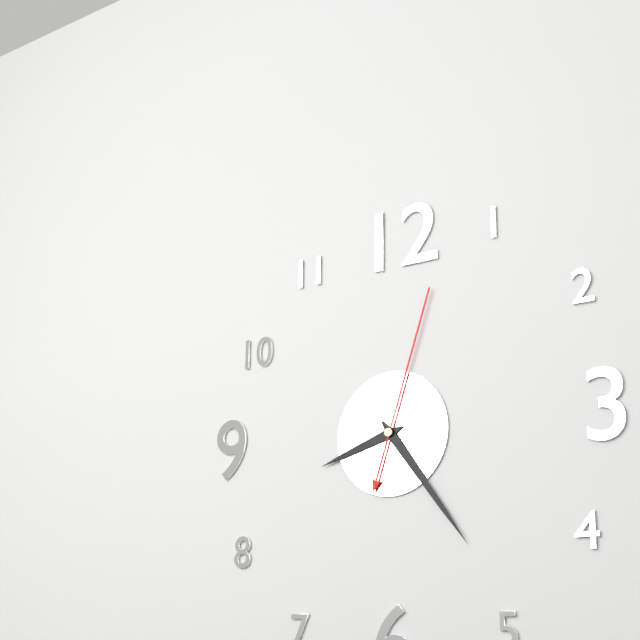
8:24:03
